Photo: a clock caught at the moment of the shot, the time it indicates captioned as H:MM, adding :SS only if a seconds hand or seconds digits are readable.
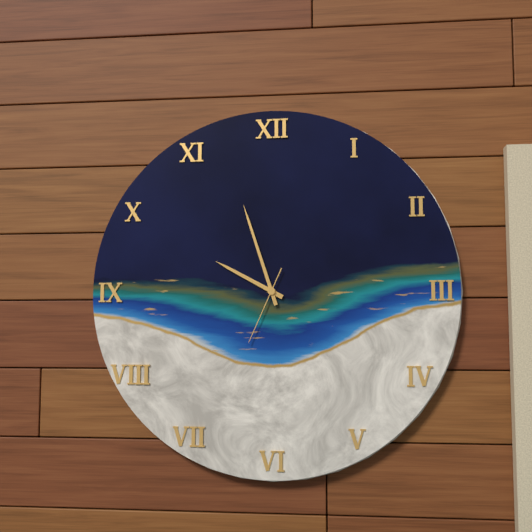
9:57:34
